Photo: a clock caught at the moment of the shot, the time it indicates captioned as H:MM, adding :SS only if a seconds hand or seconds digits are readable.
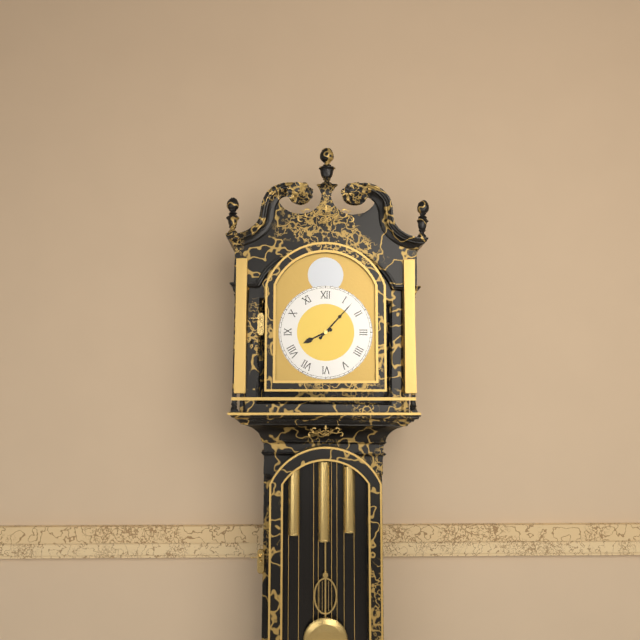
8:07
